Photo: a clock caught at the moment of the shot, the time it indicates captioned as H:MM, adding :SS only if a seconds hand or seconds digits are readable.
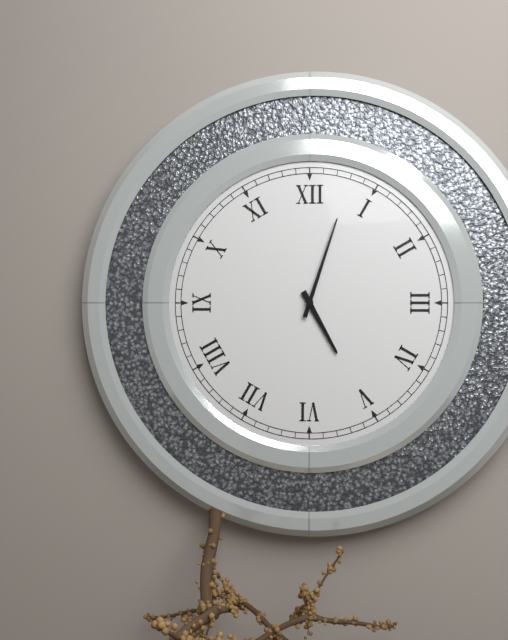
5:03
